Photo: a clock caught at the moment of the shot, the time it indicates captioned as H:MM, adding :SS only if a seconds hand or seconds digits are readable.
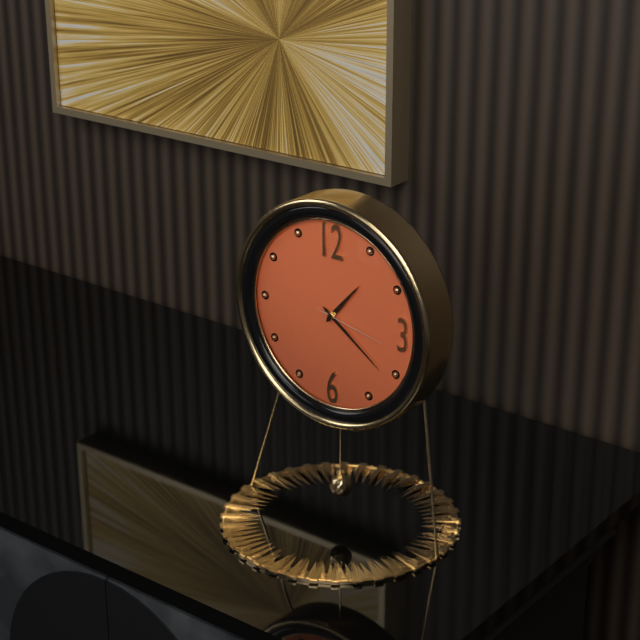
1:21:17
